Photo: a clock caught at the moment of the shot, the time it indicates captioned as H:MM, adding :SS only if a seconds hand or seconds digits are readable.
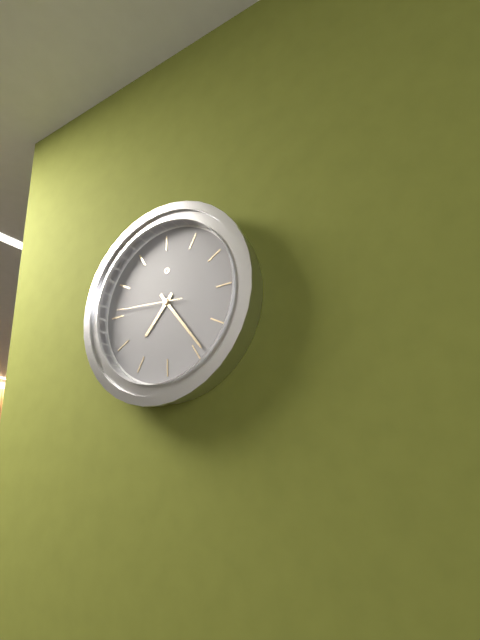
7:24:46
